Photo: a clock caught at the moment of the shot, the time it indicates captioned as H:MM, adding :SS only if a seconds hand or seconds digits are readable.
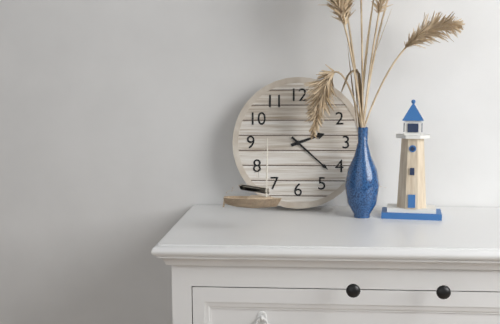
2:22
